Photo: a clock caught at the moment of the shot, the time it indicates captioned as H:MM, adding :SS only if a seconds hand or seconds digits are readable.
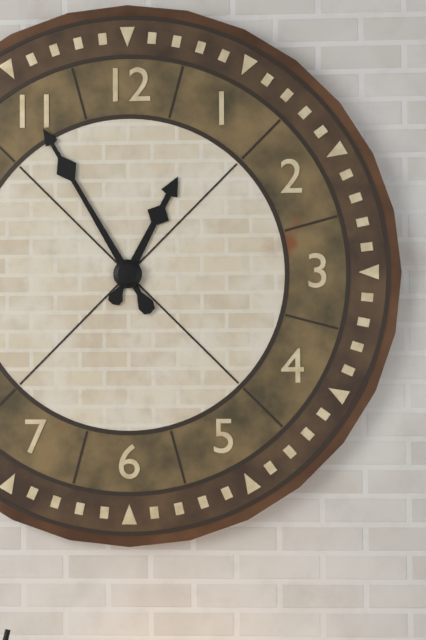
12:55
